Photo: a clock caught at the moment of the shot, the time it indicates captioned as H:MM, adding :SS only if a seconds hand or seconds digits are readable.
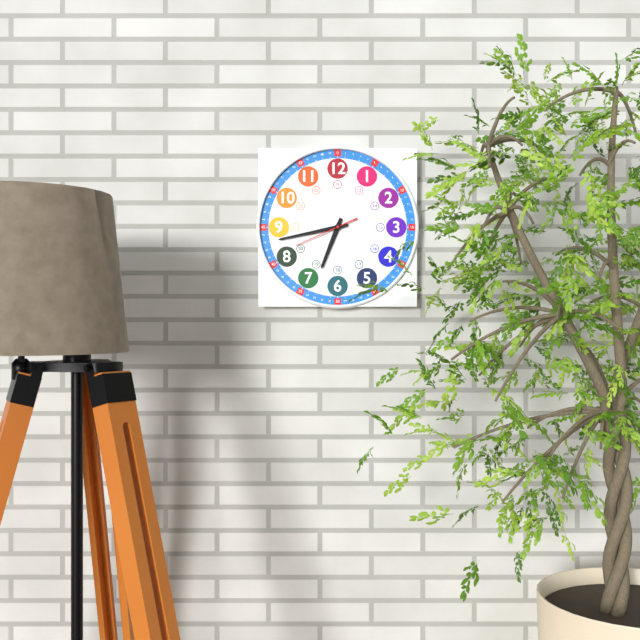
6:43:41
